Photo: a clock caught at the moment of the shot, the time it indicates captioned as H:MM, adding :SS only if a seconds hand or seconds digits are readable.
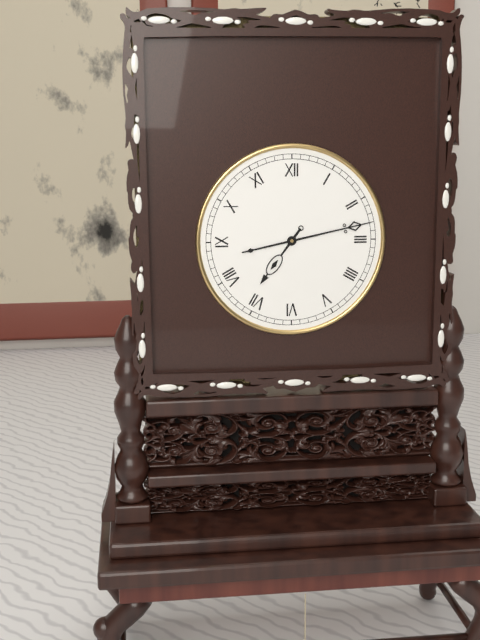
7:13
